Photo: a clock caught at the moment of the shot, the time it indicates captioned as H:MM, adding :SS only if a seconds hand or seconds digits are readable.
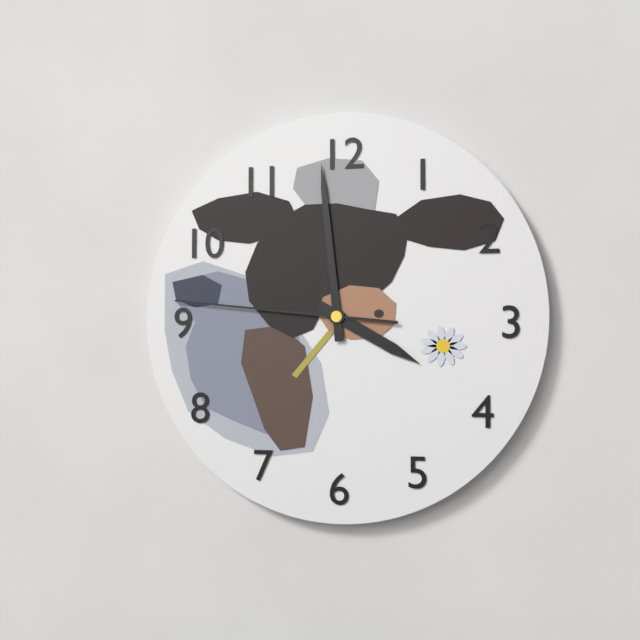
3:59:46
